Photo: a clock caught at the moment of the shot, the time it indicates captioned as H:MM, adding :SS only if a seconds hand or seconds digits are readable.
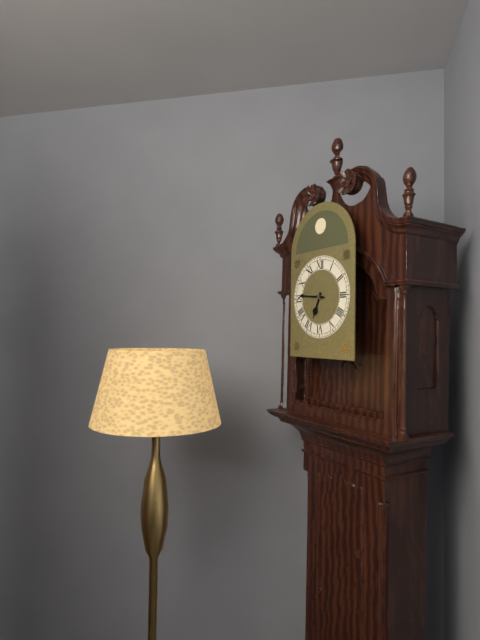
6:46
